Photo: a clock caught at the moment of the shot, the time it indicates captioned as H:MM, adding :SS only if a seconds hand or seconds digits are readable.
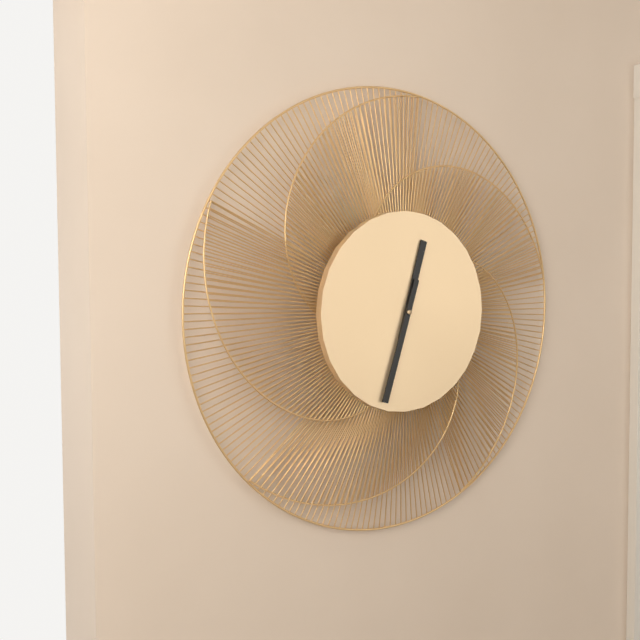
12:33
